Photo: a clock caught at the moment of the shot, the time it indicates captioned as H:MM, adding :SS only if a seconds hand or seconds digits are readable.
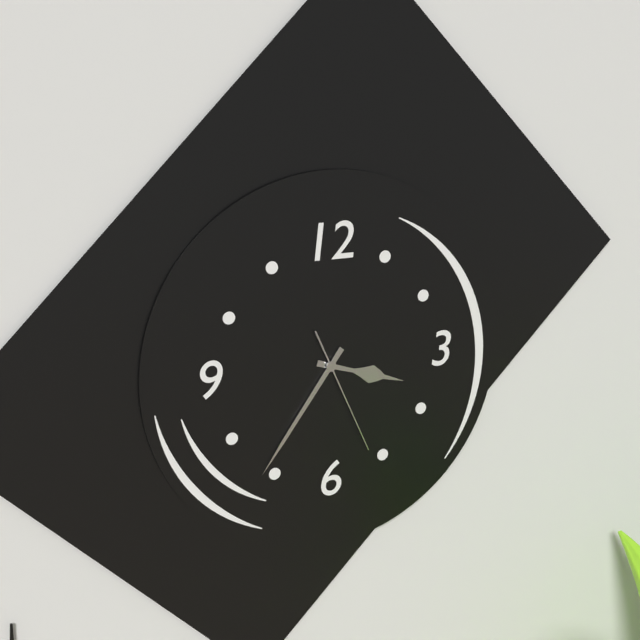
3:36:26
